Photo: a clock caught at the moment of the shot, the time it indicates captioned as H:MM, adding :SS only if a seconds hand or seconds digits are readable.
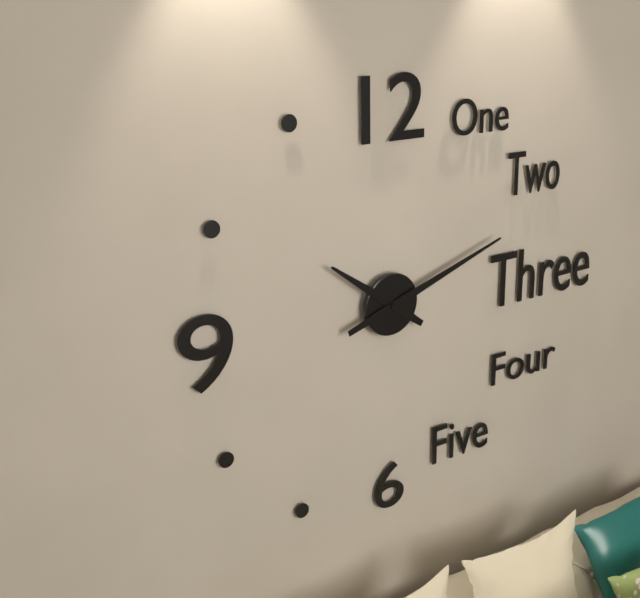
10:12
